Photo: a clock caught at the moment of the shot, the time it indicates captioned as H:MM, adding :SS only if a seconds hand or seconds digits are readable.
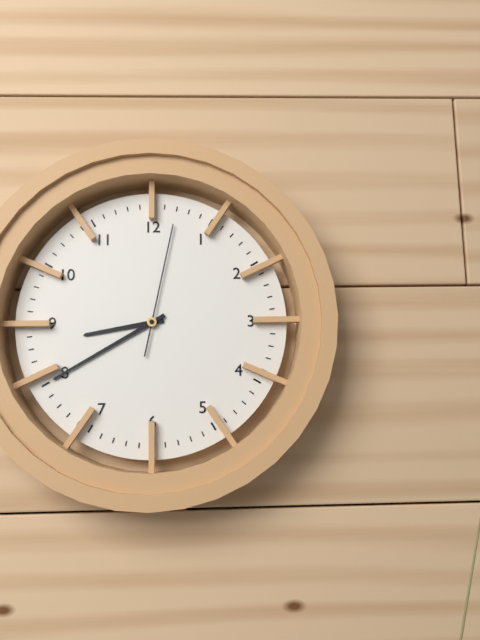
8:40:02
